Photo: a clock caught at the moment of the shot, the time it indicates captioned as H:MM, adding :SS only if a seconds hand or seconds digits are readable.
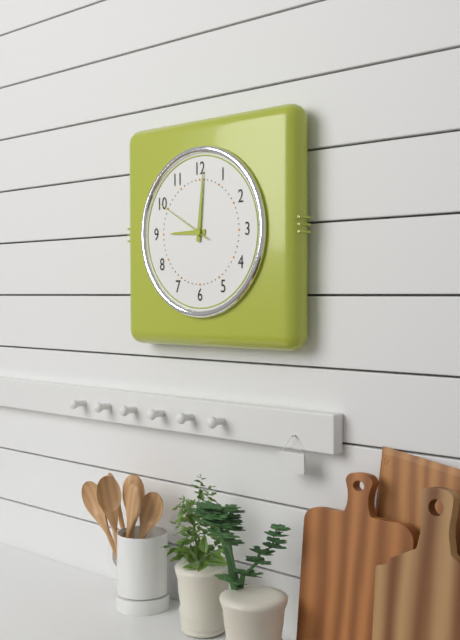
9:01:50
